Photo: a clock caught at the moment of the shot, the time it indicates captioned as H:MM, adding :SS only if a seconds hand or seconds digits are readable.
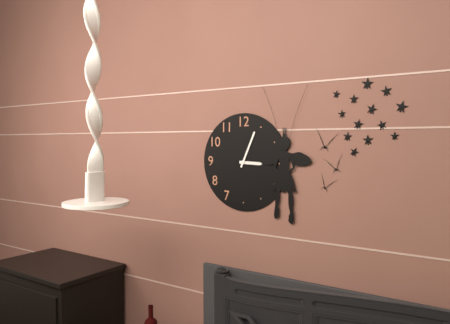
3:04
